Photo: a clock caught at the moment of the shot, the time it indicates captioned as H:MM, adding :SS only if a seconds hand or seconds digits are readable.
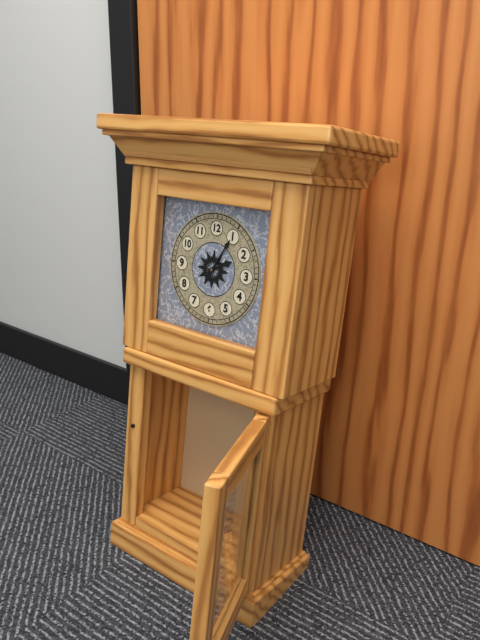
2:05
